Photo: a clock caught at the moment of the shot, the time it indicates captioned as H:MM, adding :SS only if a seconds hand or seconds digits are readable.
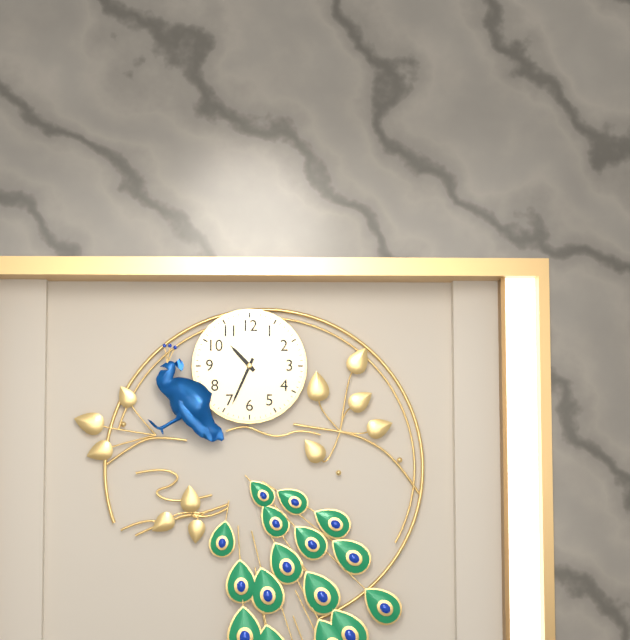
10:34
